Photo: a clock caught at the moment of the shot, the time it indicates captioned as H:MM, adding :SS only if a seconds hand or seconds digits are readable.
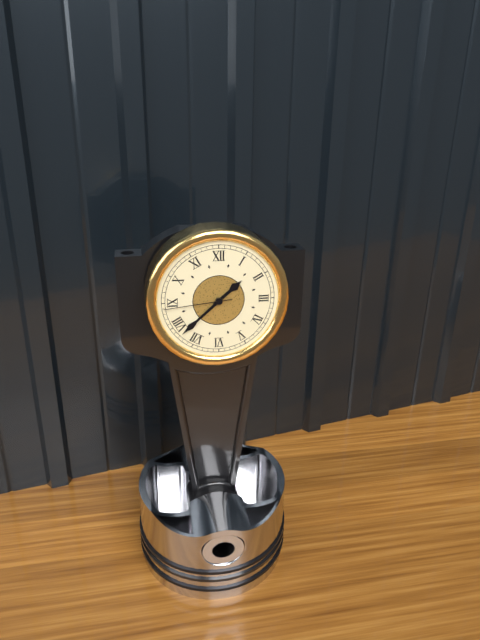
1:38:44
